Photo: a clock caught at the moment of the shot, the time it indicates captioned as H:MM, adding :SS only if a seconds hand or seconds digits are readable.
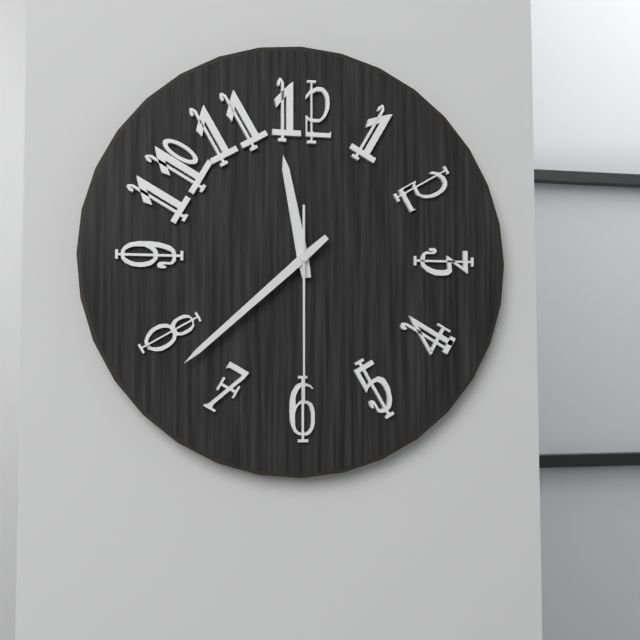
11:38:30
